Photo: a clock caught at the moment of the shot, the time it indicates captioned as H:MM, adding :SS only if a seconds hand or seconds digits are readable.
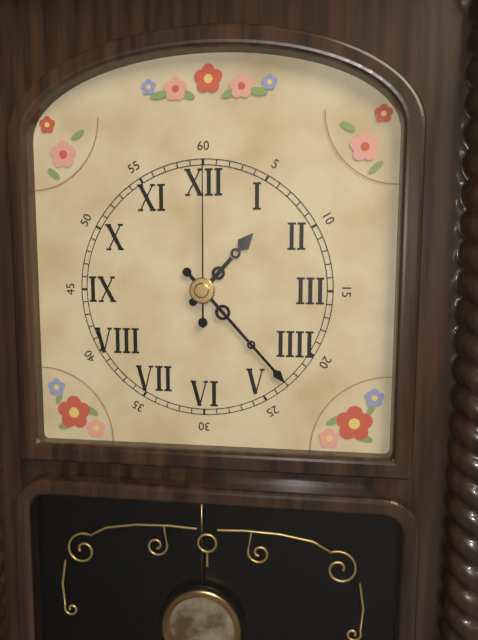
1:23:00
